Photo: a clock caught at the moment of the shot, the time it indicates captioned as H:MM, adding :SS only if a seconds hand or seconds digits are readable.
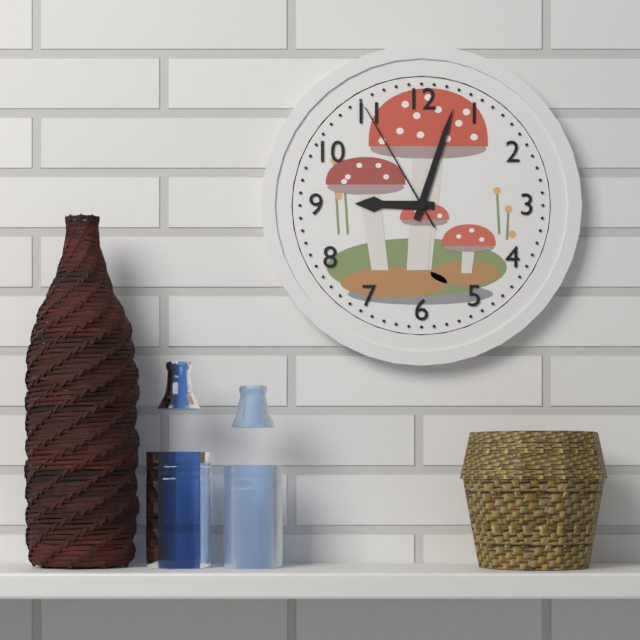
9:03:55
